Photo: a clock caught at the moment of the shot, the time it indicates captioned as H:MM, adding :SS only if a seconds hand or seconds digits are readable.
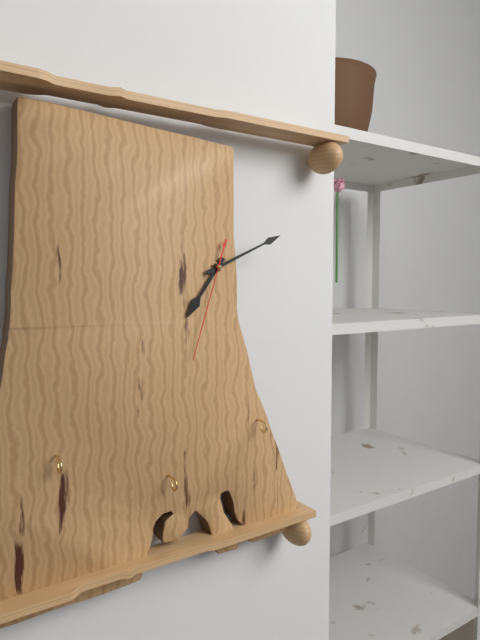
7:11:33
